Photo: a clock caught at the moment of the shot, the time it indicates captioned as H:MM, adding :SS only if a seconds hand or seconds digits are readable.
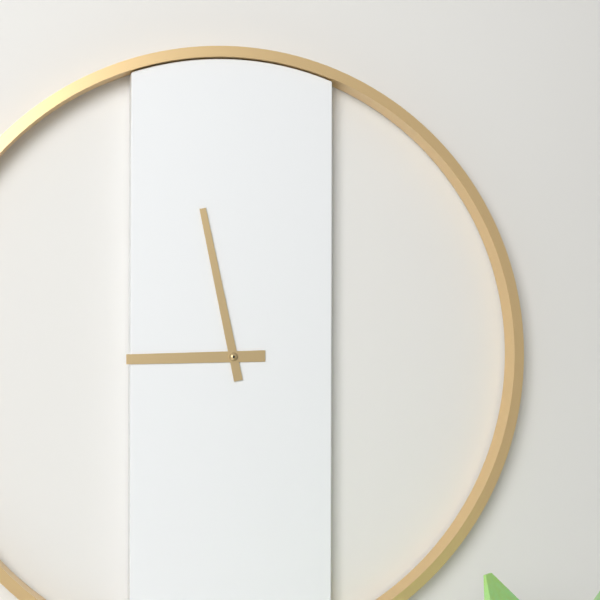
8:58
